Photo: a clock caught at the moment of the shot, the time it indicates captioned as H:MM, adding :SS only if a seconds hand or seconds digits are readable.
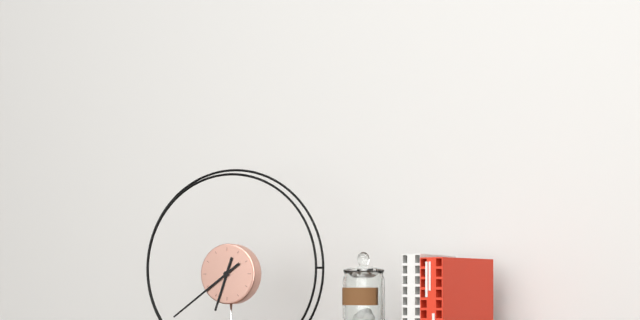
6:39
